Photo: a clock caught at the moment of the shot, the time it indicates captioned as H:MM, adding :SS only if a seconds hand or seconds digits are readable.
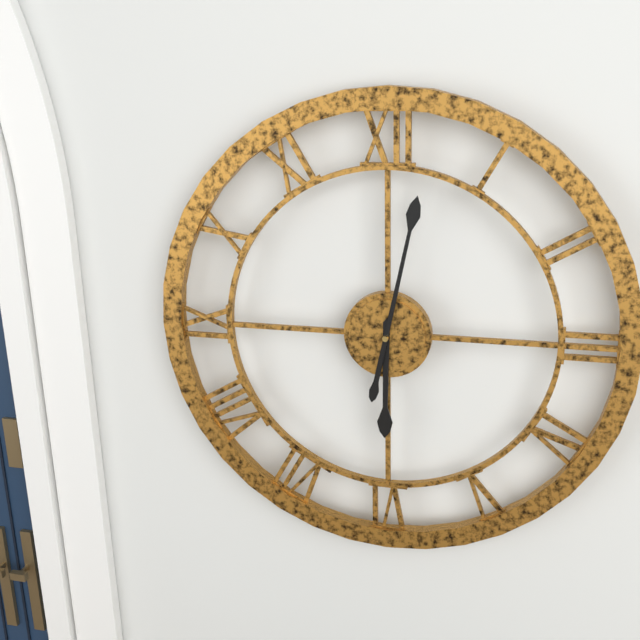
6:02
